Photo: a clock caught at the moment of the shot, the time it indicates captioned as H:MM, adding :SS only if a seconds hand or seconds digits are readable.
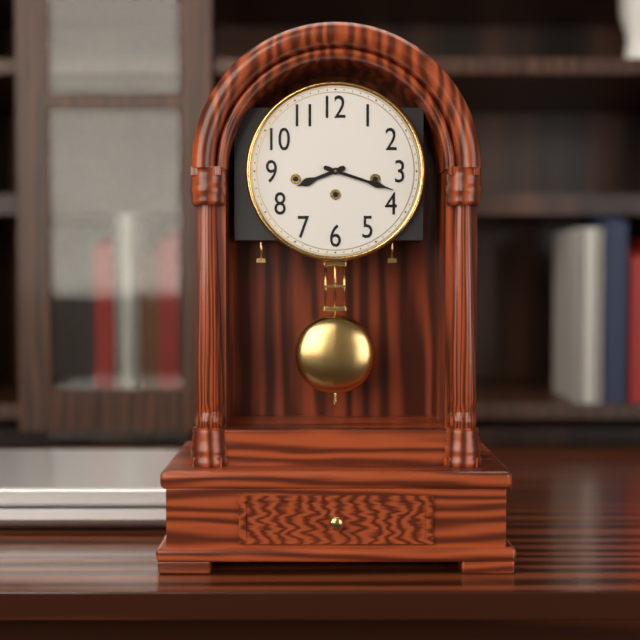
8:18
